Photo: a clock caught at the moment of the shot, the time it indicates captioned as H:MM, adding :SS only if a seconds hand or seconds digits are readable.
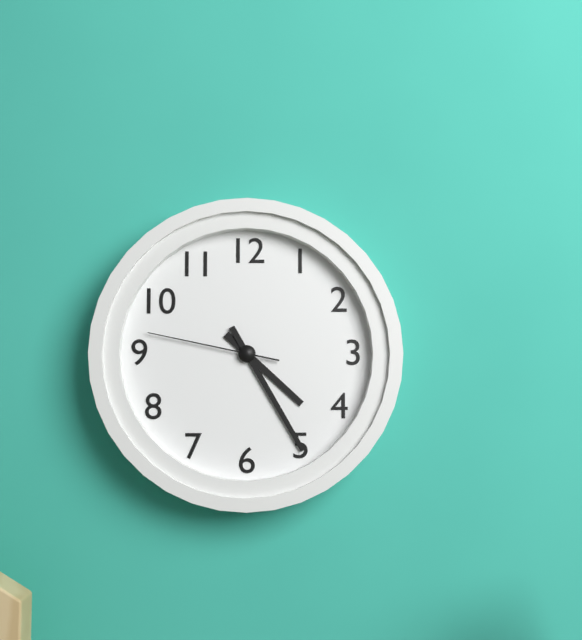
4:25:47
